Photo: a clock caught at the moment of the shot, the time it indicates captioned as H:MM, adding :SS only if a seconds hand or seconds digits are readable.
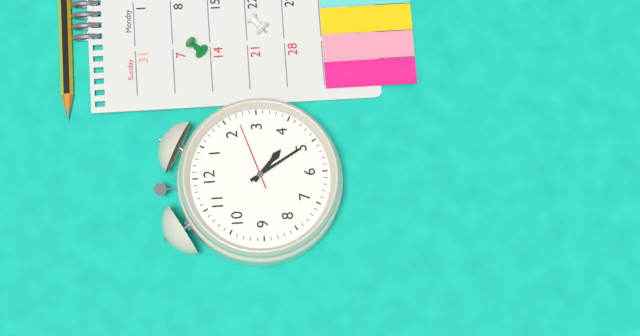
4:25:12
